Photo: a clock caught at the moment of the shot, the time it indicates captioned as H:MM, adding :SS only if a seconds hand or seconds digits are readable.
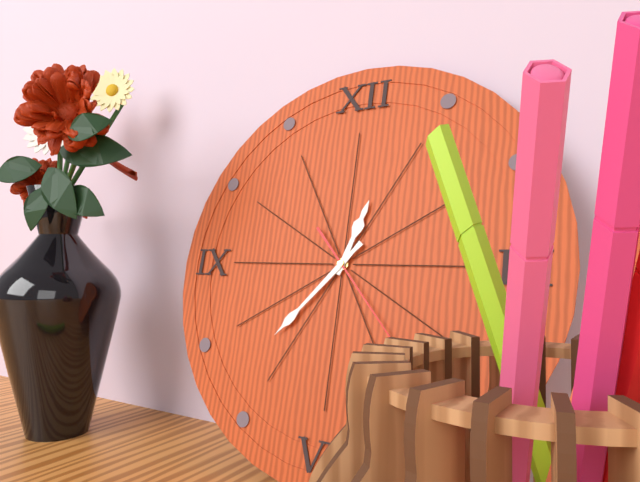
12:37
